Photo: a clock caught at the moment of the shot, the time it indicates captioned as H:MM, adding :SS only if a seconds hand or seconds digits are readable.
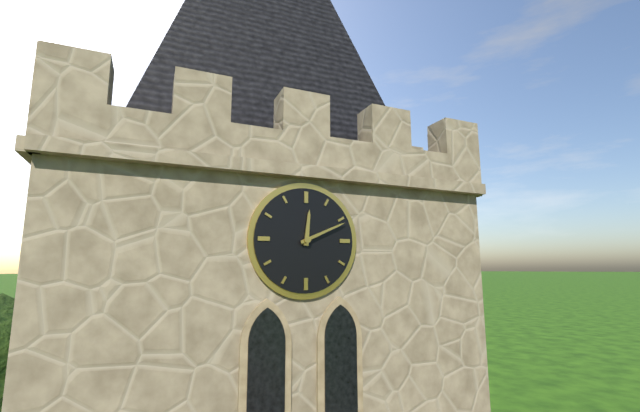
12:11
